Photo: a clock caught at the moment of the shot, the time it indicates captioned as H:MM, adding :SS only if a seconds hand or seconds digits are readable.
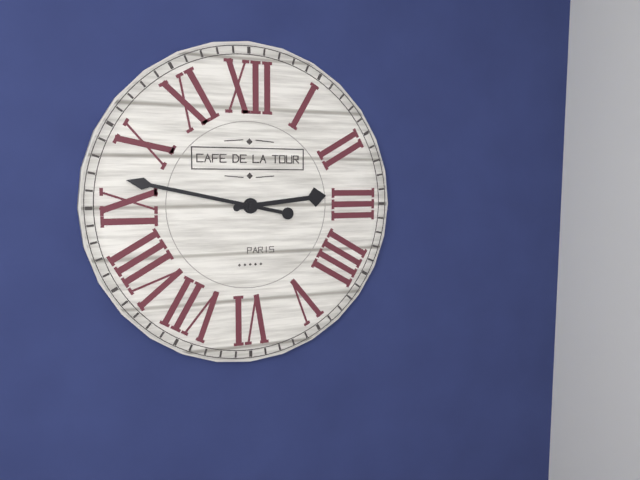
2:47
